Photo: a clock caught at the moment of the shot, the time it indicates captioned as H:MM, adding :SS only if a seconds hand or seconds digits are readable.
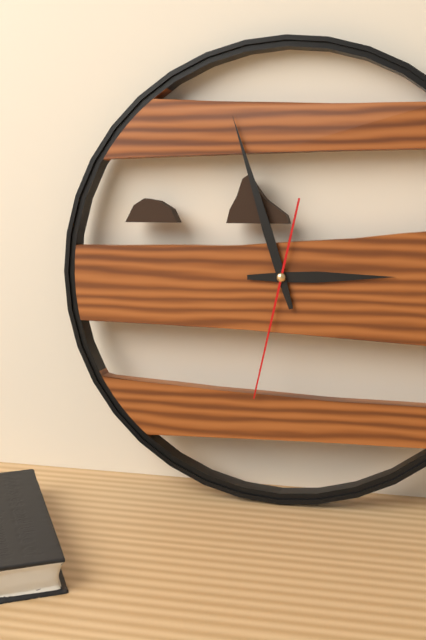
2:57:32
